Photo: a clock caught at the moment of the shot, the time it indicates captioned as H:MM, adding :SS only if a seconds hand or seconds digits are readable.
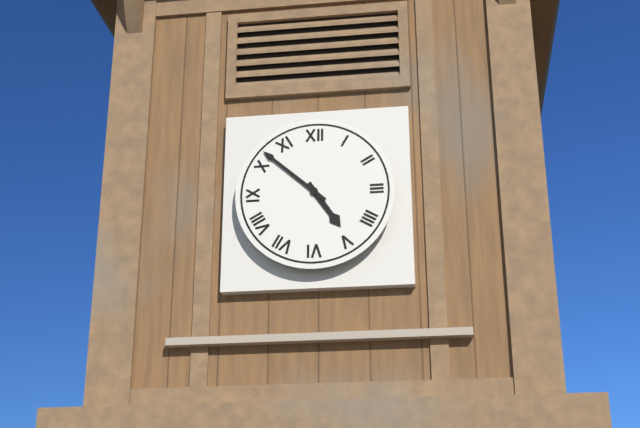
4:52
